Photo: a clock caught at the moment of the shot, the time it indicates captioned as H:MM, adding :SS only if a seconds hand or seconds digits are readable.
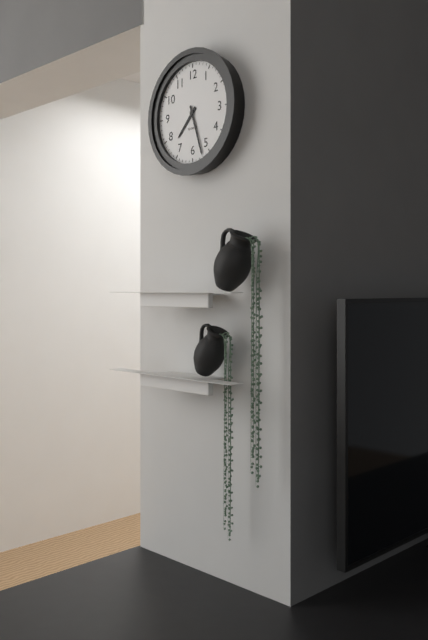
7:27
